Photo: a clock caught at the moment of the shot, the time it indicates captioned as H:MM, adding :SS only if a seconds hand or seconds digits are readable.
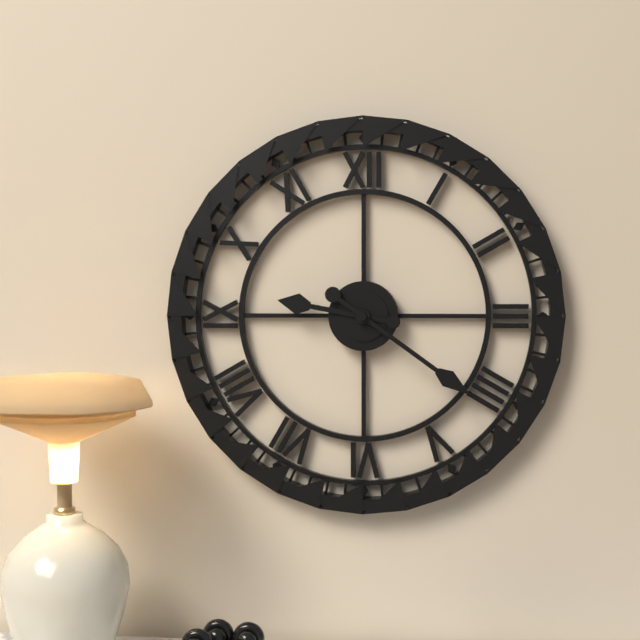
9:21
